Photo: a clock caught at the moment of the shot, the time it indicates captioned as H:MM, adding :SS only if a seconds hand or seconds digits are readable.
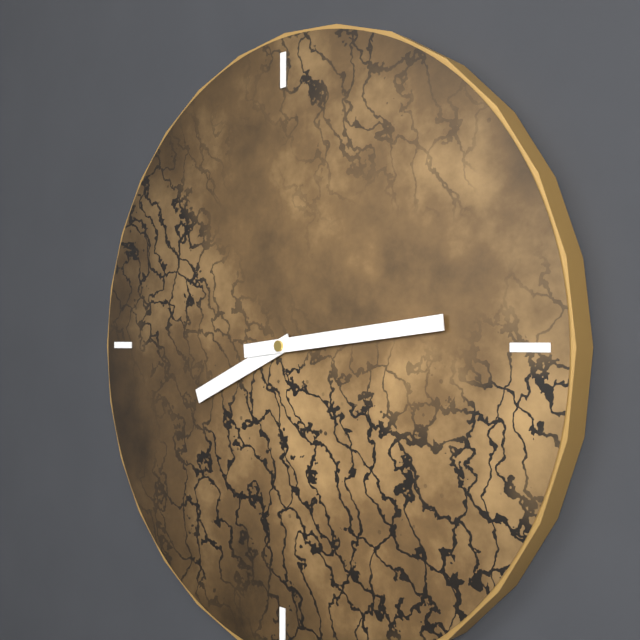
8:14
